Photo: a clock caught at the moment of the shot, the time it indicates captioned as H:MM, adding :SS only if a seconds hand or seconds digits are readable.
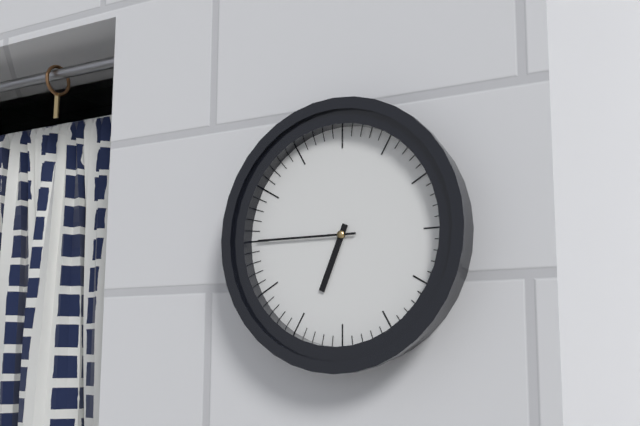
6:45
